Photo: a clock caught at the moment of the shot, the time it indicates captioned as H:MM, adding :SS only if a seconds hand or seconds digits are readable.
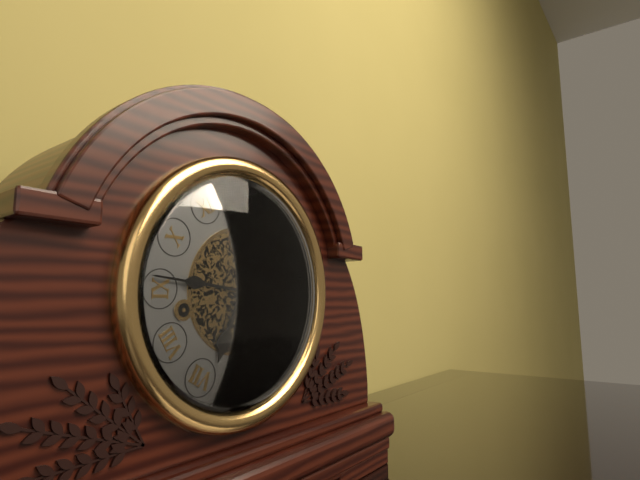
6:46
